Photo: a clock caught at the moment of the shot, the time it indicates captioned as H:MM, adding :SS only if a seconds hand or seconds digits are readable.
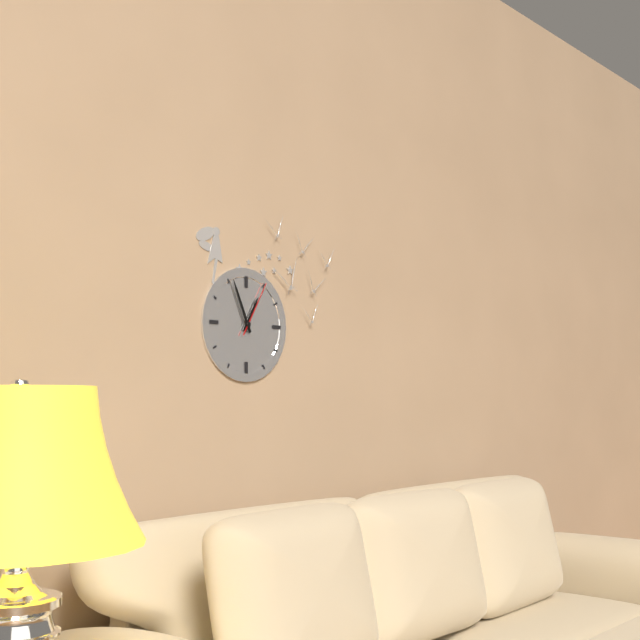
12:56:05
